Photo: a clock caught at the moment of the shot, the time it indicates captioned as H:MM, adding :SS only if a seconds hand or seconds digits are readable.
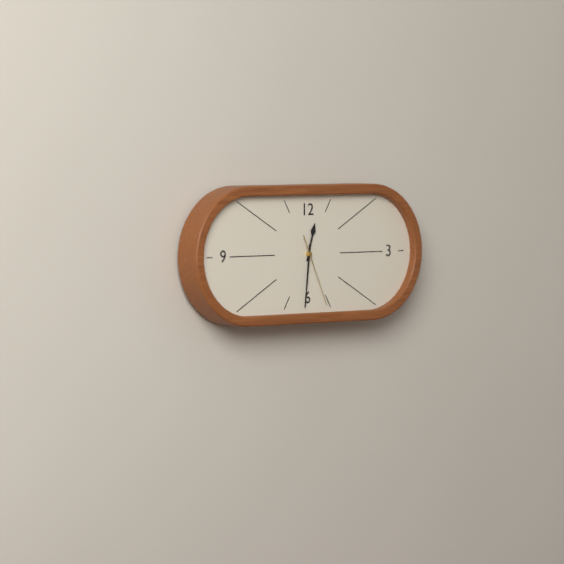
12:31:26
